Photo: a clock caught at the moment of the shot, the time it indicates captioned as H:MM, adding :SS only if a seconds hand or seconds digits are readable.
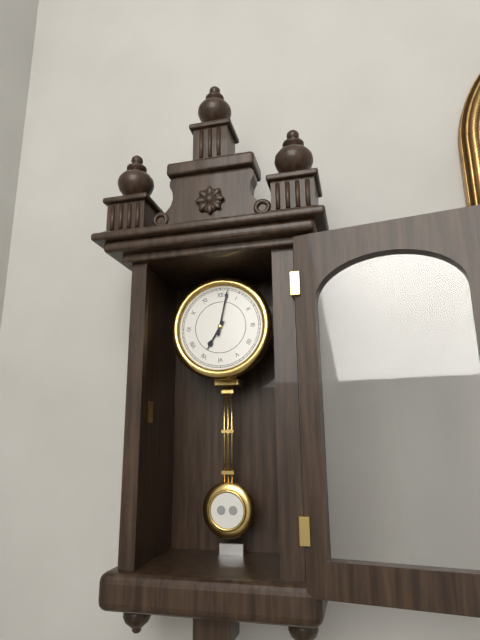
7:02
